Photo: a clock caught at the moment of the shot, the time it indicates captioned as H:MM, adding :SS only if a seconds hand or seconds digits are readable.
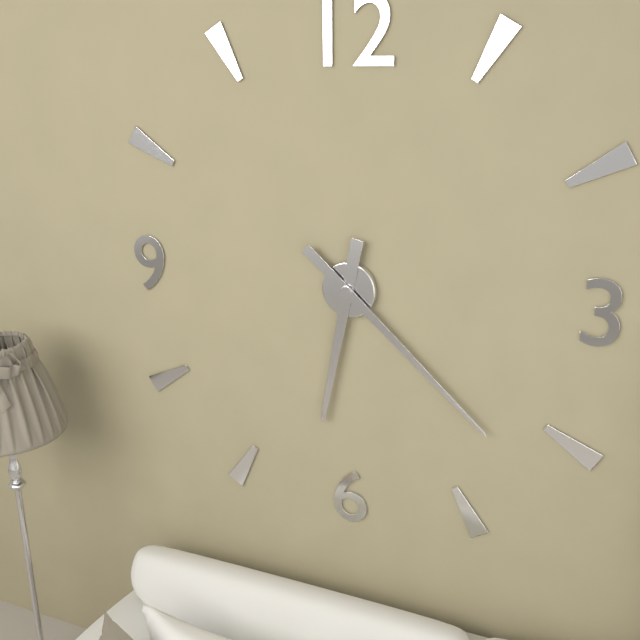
6:22
